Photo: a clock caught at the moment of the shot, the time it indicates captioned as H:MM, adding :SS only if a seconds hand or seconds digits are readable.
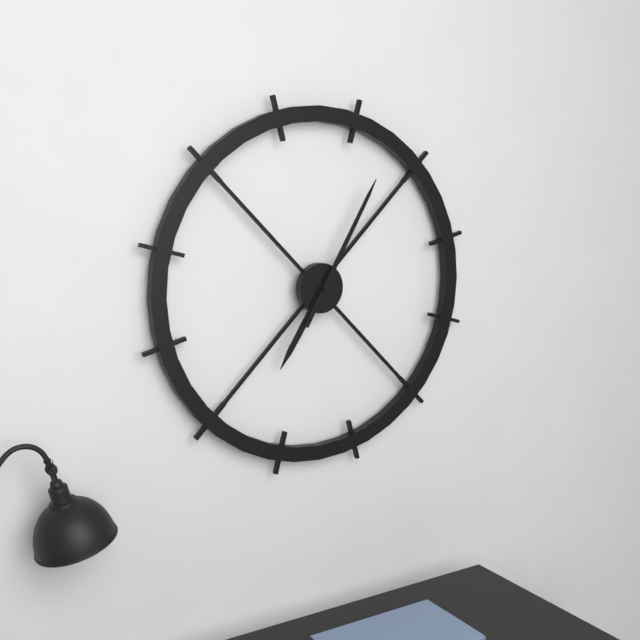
7:05
